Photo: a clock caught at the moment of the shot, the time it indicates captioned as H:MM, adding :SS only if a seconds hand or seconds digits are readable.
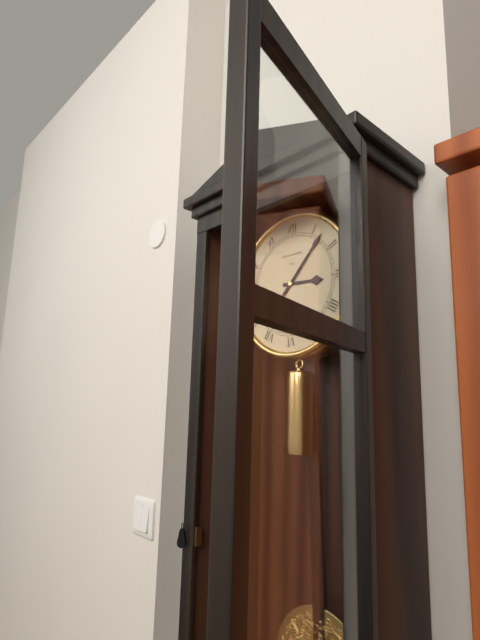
3:07
